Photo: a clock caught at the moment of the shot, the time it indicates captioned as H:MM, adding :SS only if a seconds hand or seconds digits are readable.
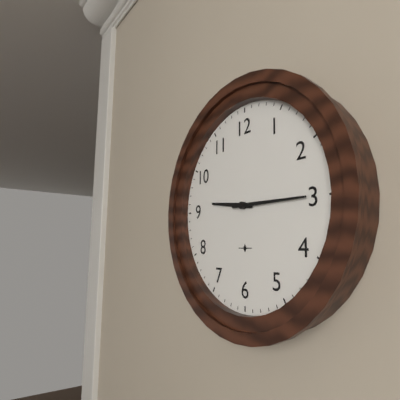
9:15
